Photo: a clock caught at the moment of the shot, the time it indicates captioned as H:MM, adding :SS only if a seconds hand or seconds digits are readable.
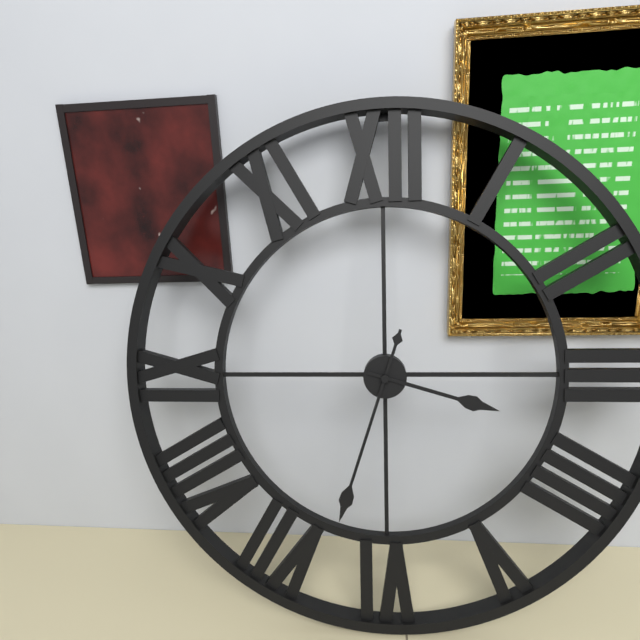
3:33
